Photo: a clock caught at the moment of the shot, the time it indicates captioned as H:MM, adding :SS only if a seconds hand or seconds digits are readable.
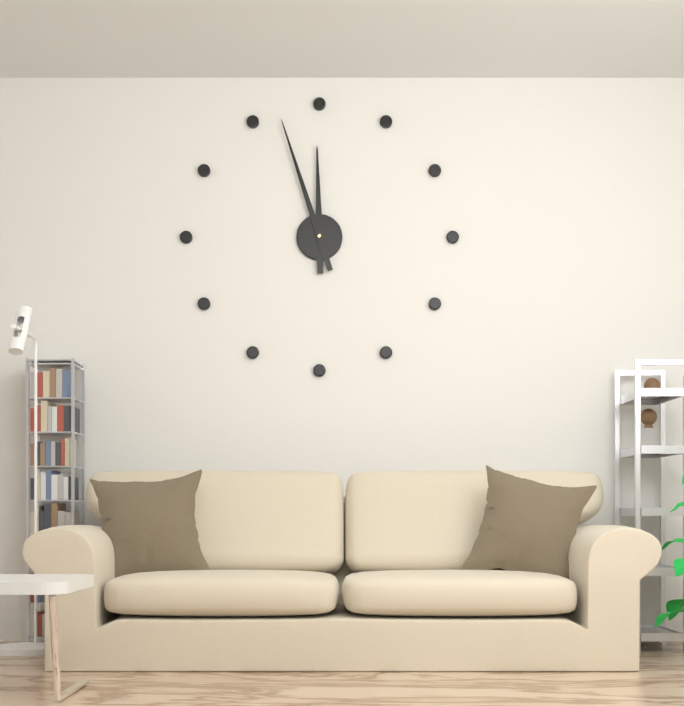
11:57
